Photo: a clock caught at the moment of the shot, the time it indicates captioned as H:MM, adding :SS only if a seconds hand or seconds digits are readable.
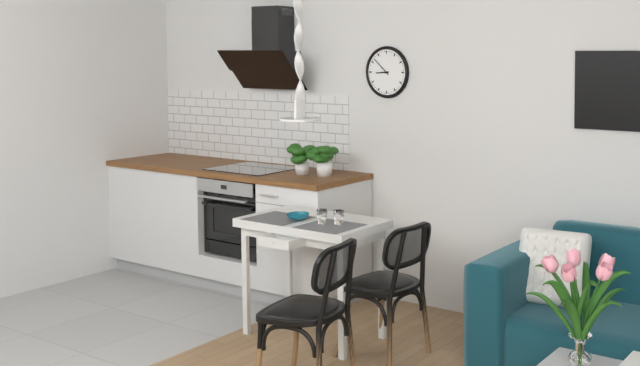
8:52
